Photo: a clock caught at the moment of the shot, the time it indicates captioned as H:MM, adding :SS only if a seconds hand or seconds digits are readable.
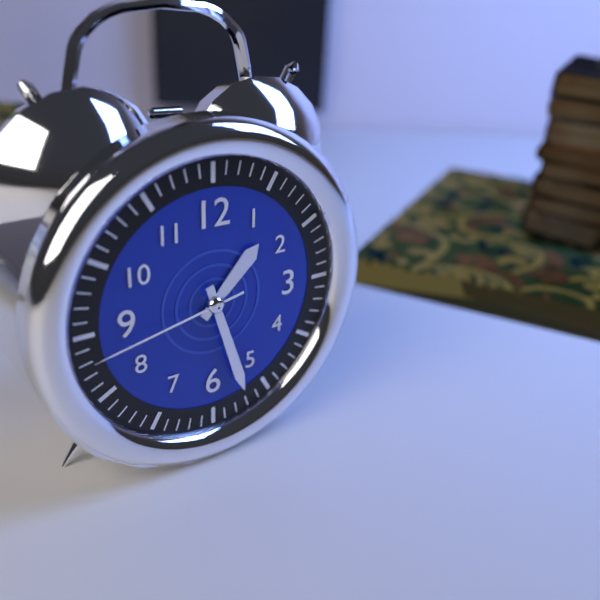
1:27:43
